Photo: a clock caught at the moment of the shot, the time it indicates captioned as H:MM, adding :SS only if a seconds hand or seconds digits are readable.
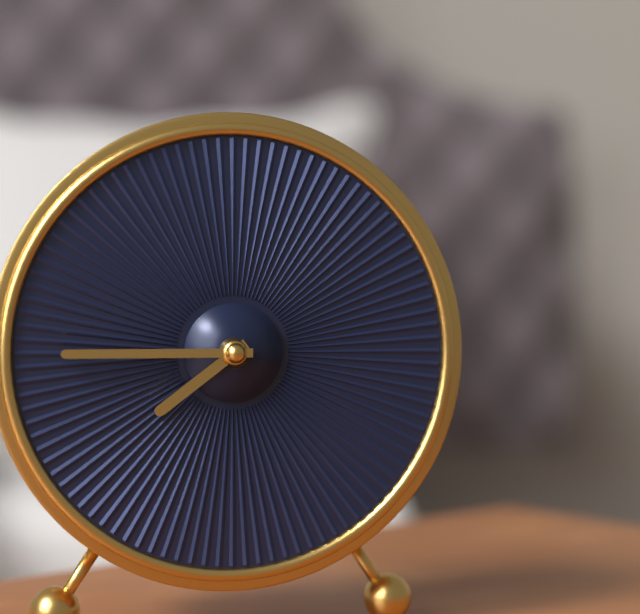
7:45
